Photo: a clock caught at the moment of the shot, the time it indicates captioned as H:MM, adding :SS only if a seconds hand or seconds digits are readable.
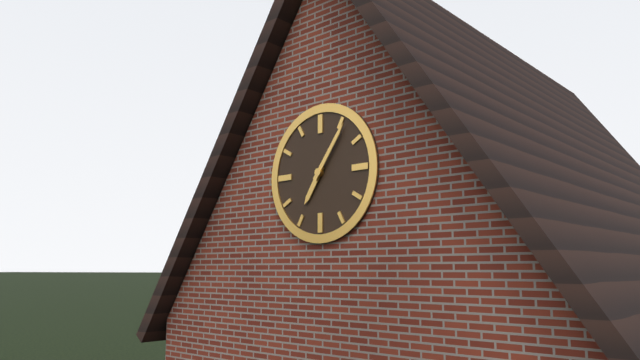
7:06
